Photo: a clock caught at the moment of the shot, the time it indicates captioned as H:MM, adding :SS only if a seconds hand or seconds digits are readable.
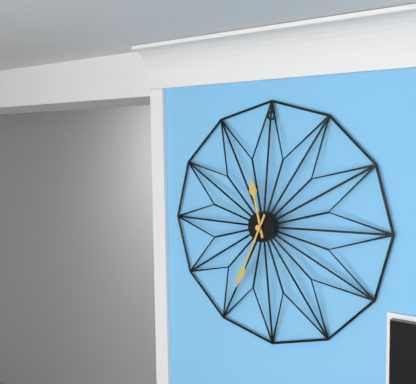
11:34
